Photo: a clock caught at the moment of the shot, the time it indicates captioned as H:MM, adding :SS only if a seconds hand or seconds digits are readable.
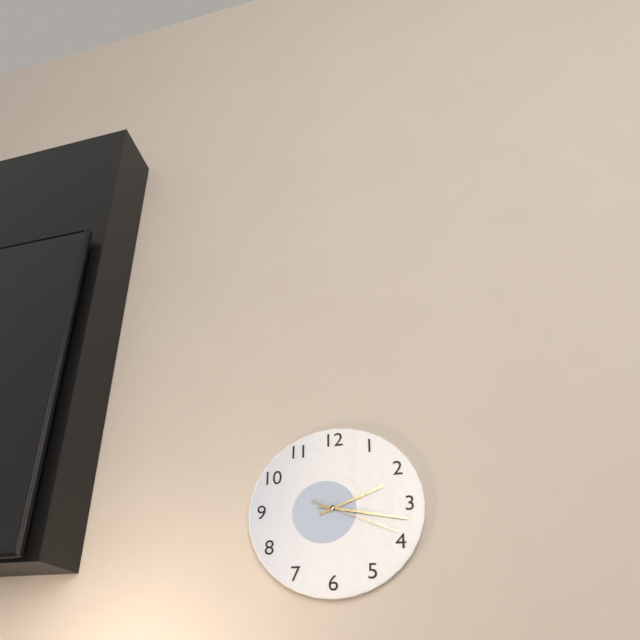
2:17:19
